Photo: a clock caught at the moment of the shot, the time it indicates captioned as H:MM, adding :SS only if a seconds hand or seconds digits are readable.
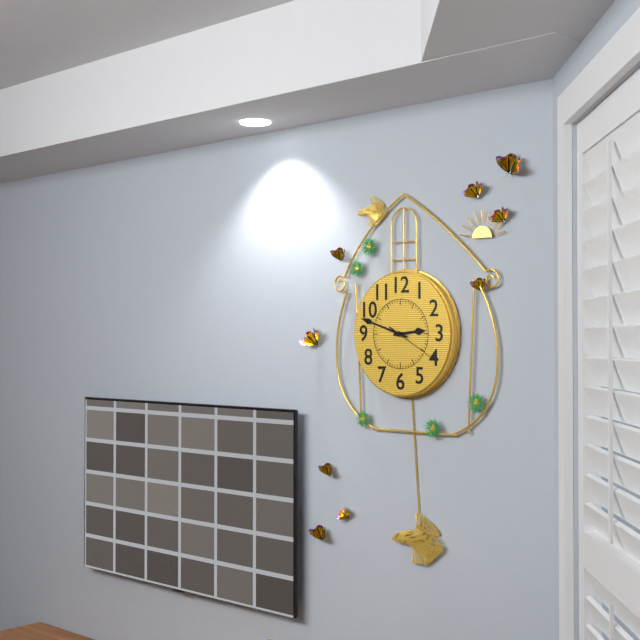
2:48:20
